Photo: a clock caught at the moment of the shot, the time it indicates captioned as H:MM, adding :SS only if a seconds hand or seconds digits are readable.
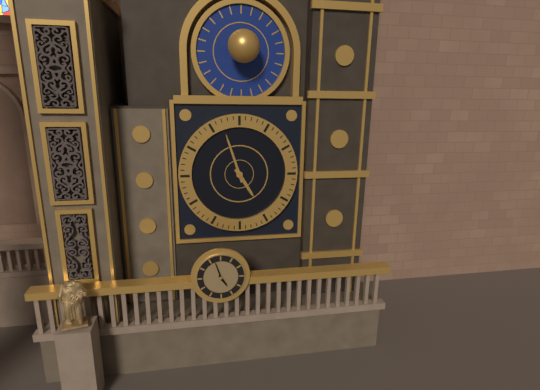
4:57
